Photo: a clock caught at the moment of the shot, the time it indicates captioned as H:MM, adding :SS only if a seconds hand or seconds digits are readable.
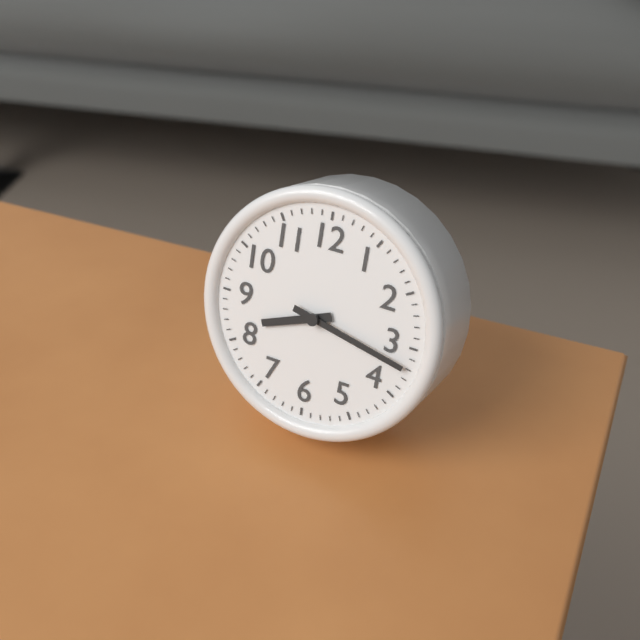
8:17
